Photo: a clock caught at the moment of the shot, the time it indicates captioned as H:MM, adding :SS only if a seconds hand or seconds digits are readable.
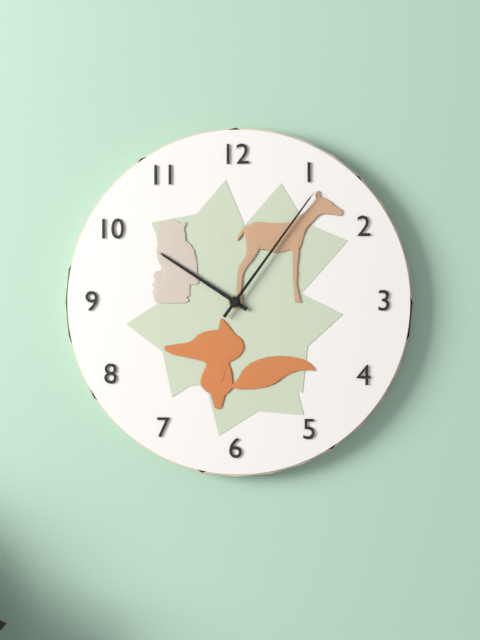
10:06
